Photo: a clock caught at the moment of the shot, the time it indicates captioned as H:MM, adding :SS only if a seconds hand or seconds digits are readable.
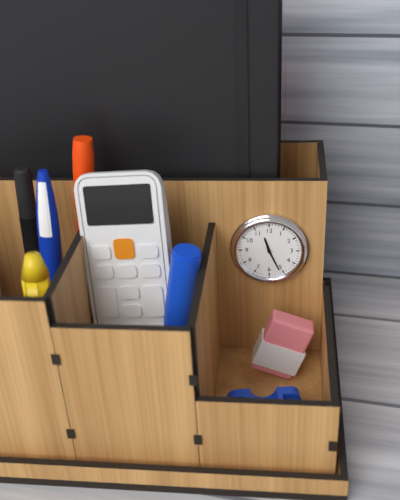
11:26
